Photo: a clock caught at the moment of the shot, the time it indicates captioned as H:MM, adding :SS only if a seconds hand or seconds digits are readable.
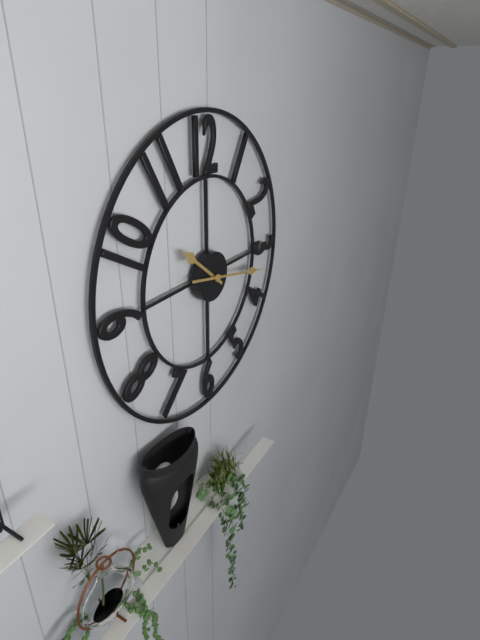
10:17
